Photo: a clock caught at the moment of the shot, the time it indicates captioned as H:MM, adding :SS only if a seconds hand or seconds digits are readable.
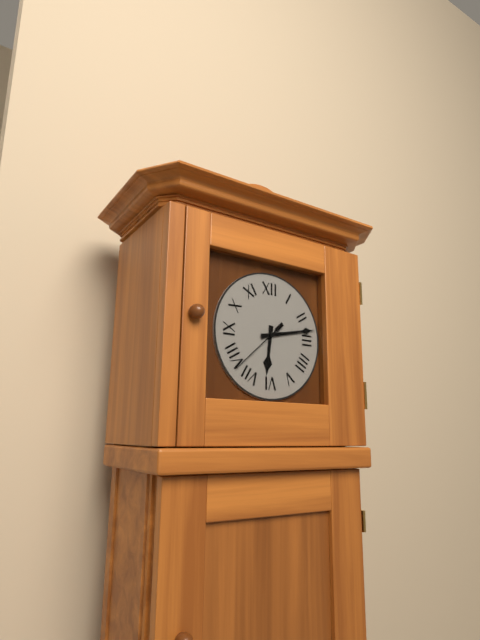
6:13:38
